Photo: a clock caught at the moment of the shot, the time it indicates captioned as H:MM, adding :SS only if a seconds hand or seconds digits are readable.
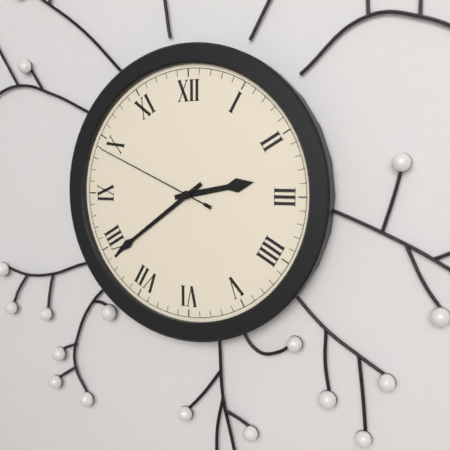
2:39:49
